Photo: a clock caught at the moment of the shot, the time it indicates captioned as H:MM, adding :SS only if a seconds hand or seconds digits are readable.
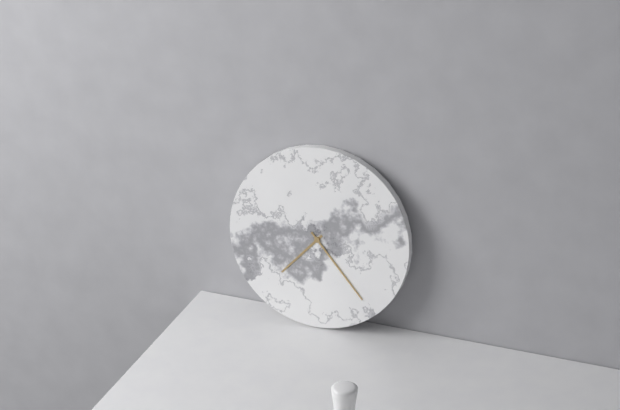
7:23
